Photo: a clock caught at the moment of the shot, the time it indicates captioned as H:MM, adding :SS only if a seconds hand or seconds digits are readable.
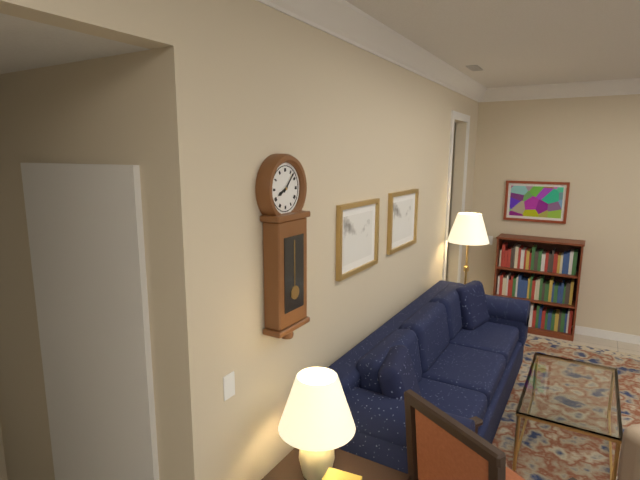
8:07
